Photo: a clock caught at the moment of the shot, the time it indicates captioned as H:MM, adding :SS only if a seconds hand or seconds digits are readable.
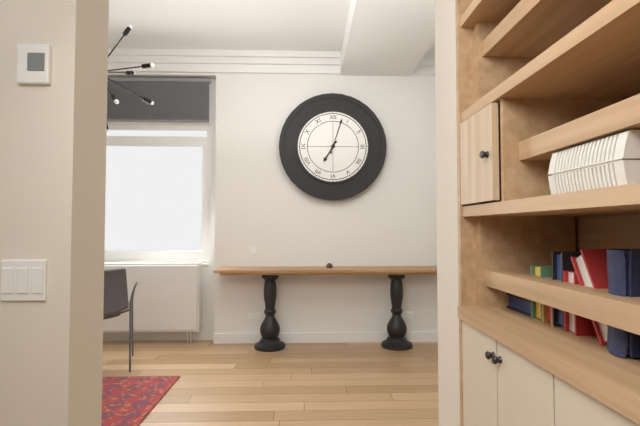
7:03
